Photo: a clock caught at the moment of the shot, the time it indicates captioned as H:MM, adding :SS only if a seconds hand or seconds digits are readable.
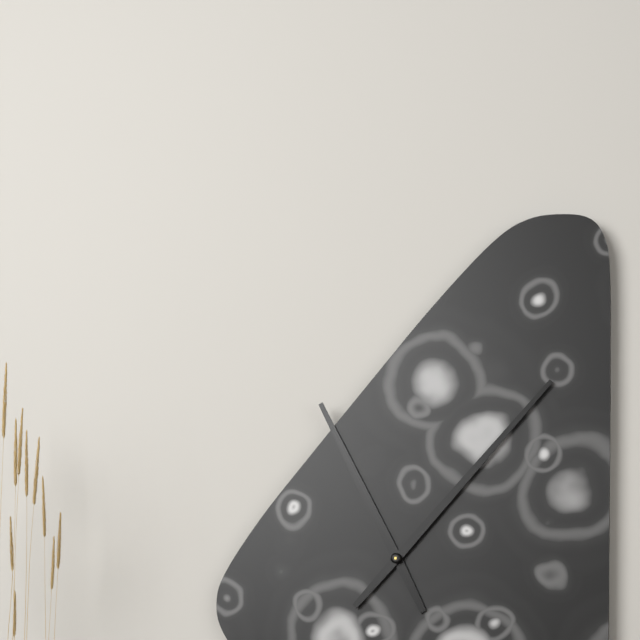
11:07
